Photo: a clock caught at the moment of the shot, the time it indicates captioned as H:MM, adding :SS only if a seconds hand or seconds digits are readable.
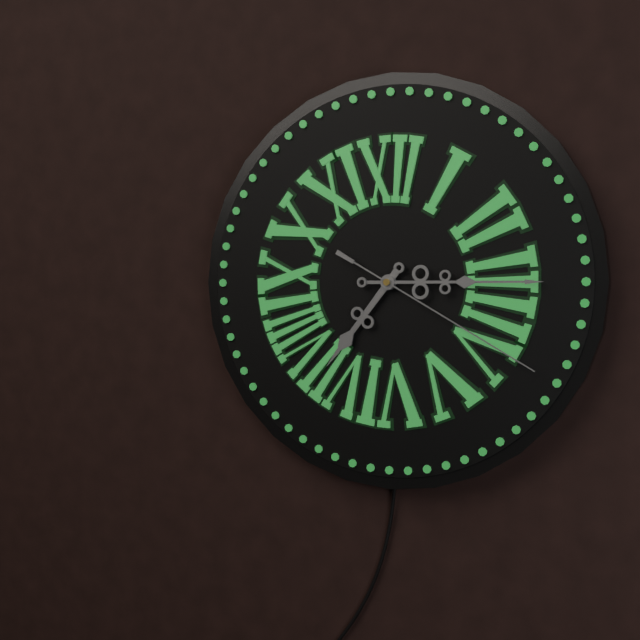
7:15:20
